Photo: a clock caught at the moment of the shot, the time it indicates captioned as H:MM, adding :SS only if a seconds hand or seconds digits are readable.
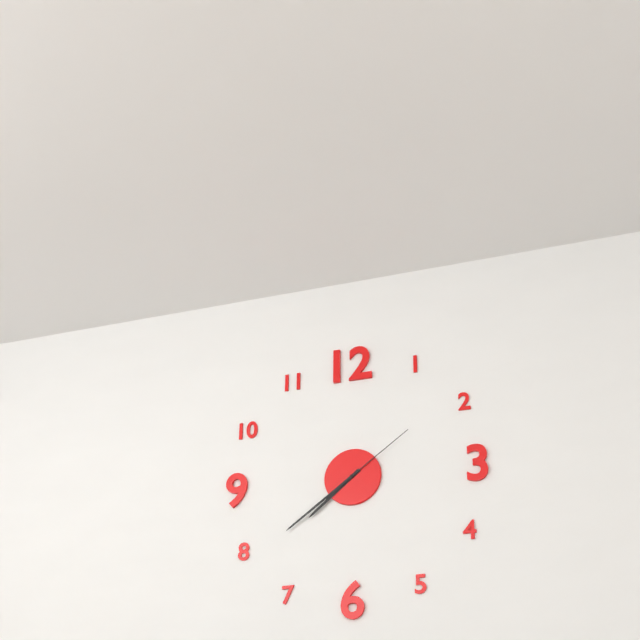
7:39:09
